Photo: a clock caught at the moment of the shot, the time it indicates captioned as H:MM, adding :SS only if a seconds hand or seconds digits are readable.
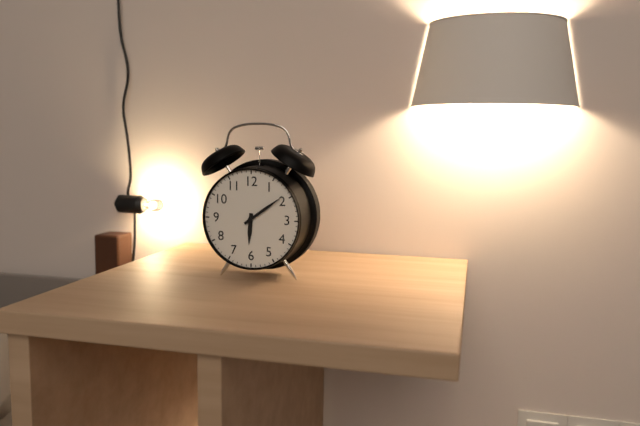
6:09
